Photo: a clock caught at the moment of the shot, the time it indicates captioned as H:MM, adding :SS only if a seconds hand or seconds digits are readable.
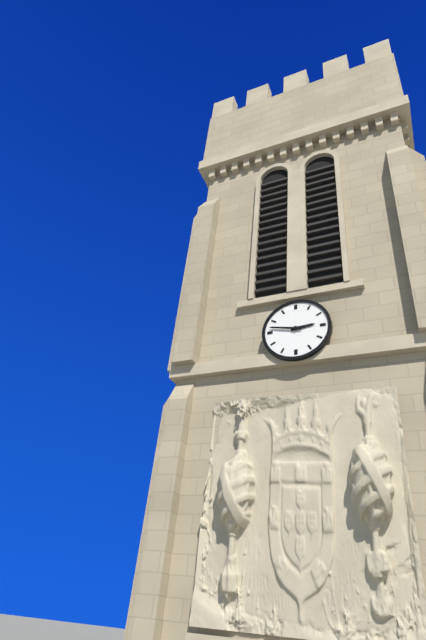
2:47
